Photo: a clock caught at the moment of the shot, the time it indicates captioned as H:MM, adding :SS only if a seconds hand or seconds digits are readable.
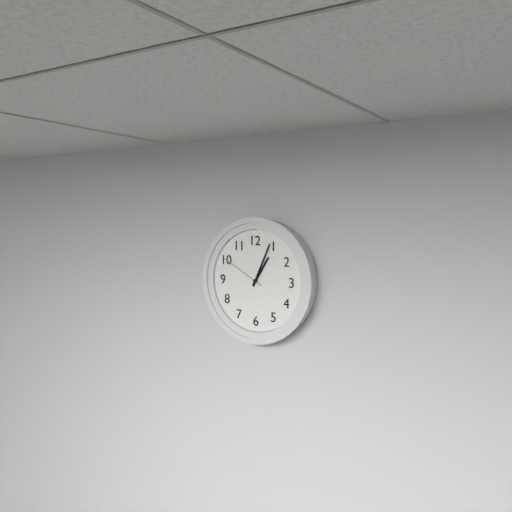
1:04
